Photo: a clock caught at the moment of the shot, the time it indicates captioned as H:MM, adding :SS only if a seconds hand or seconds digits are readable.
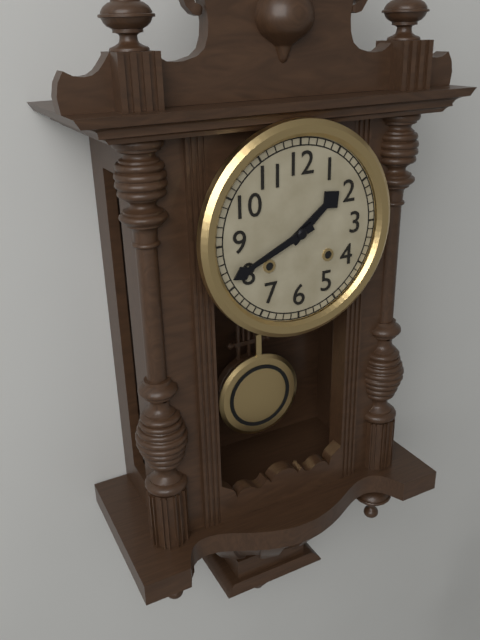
1:41
